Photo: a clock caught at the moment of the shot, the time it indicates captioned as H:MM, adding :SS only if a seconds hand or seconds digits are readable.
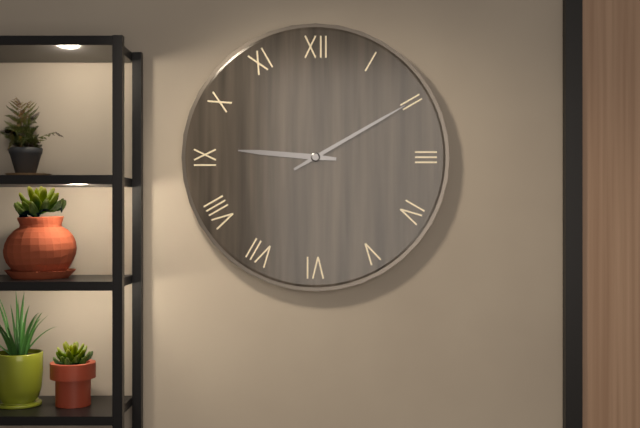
9:10
